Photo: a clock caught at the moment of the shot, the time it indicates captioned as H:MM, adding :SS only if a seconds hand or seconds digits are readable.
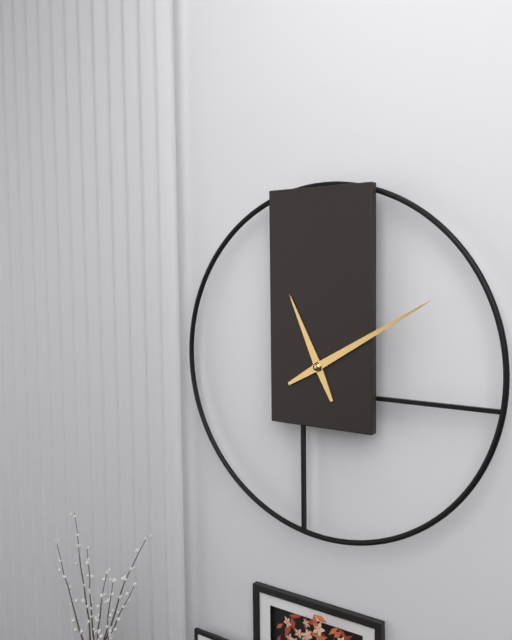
11:10
